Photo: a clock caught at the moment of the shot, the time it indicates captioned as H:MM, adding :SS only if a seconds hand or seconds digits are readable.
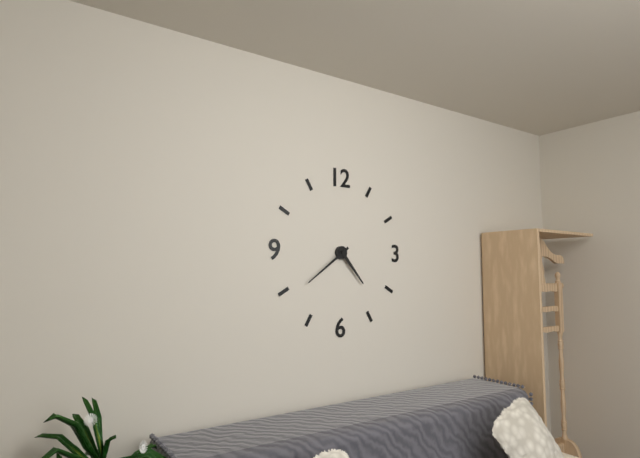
4:39
